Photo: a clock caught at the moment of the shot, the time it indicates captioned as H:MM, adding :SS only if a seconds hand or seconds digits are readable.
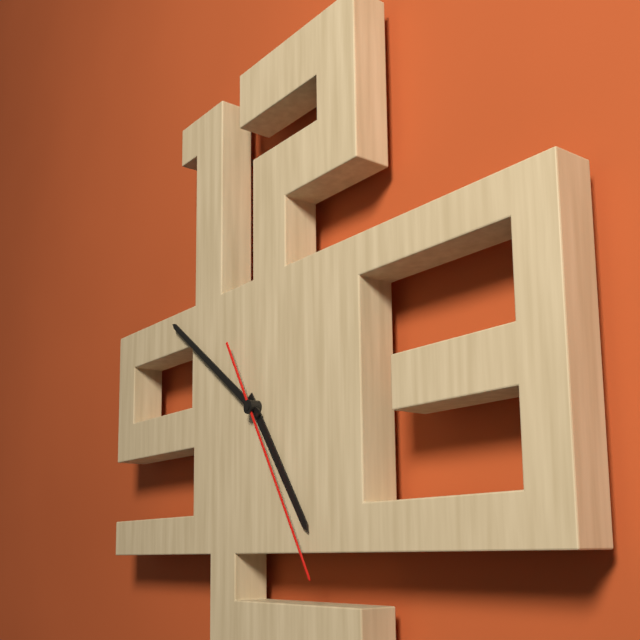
4:51:25
